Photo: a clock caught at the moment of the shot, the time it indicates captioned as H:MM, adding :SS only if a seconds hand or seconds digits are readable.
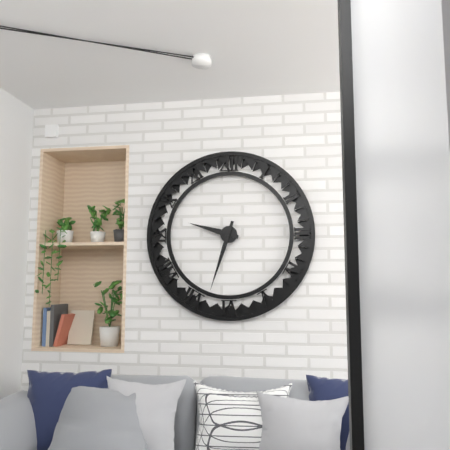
9:33
